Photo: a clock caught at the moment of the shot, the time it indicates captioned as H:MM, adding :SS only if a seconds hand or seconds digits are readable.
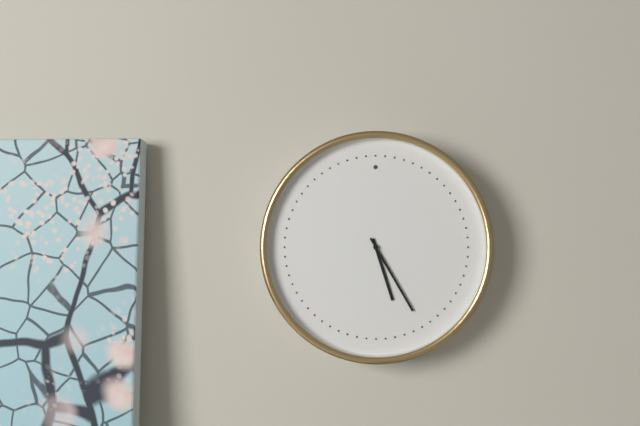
5:25
